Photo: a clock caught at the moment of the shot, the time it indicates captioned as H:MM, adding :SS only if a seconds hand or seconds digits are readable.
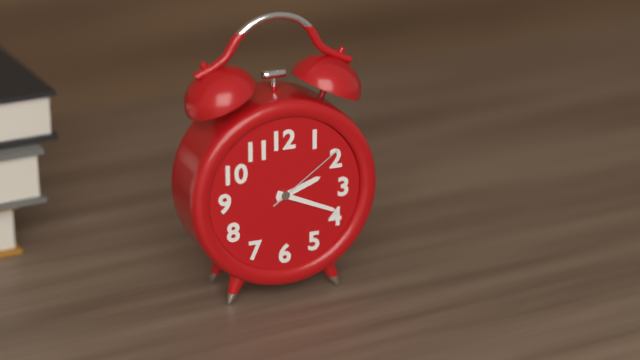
2:19:09
